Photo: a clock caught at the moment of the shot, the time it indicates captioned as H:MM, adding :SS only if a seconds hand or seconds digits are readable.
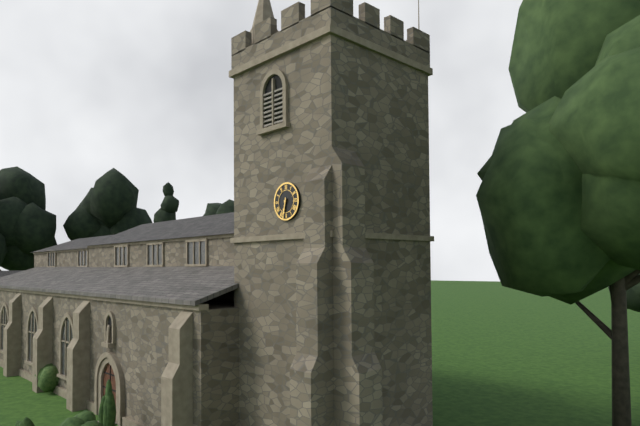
6:32
